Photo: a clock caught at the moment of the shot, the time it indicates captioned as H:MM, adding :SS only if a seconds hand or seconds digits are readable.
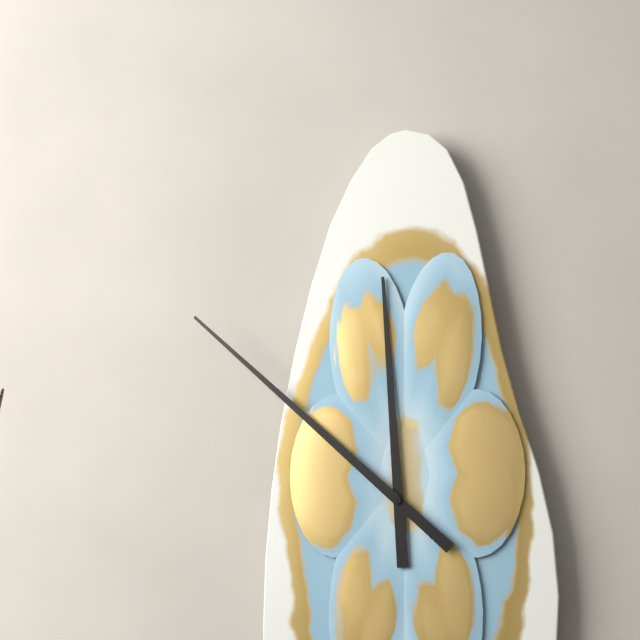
11:52
